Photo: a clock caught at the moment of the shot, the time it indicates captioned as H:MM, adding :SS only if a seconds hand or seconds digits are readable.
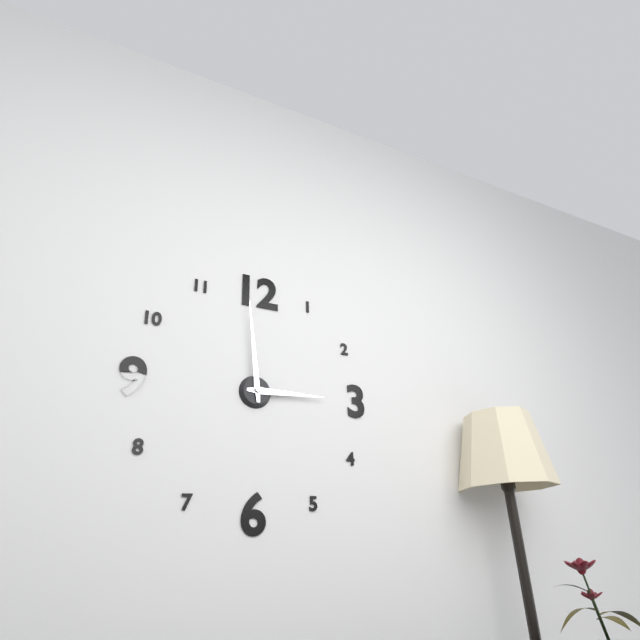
2:59
